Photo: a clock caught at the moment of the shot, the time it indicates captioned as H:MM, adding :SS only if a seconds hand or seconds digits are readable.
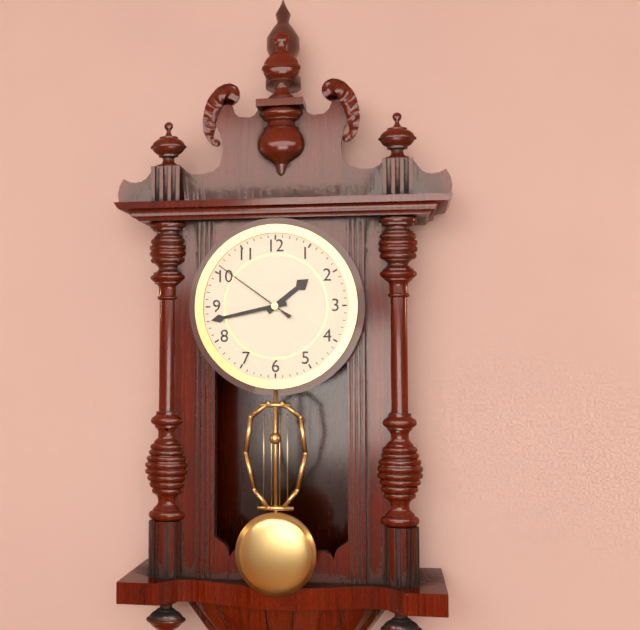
1:43:51
